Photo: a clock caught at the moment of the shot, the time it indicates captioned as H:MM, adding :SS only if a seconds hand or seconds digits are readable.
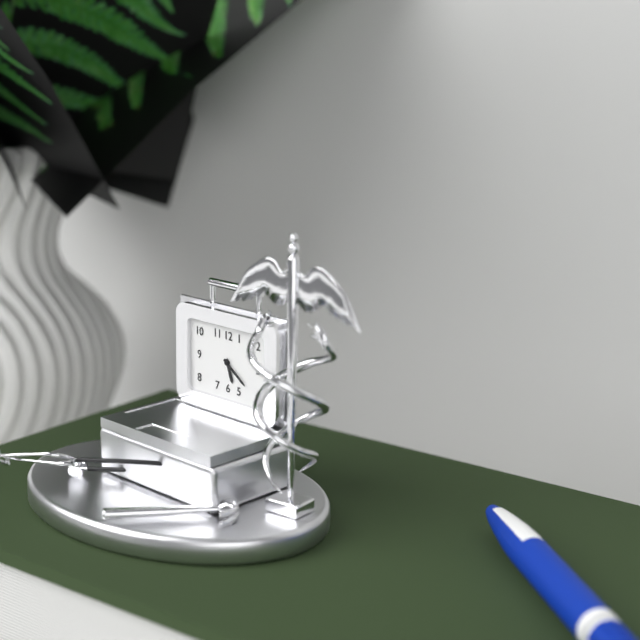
5:21
